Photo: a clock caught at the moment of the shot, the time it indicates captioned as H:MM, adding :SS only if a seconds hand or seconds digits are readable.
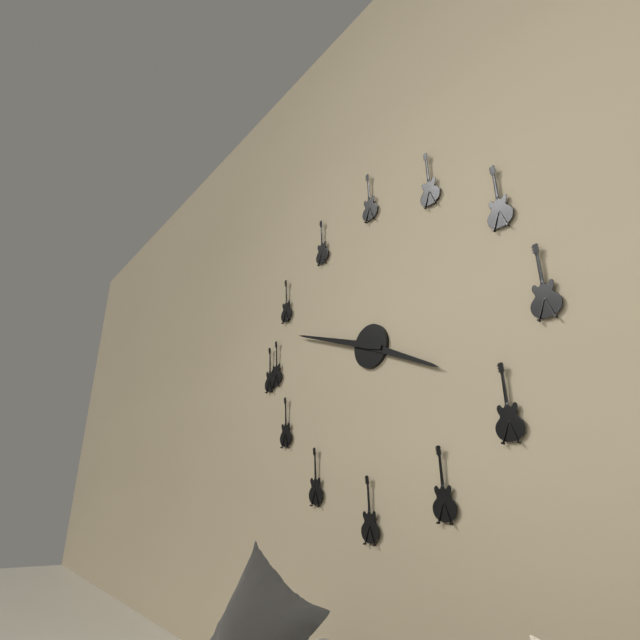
3:48
